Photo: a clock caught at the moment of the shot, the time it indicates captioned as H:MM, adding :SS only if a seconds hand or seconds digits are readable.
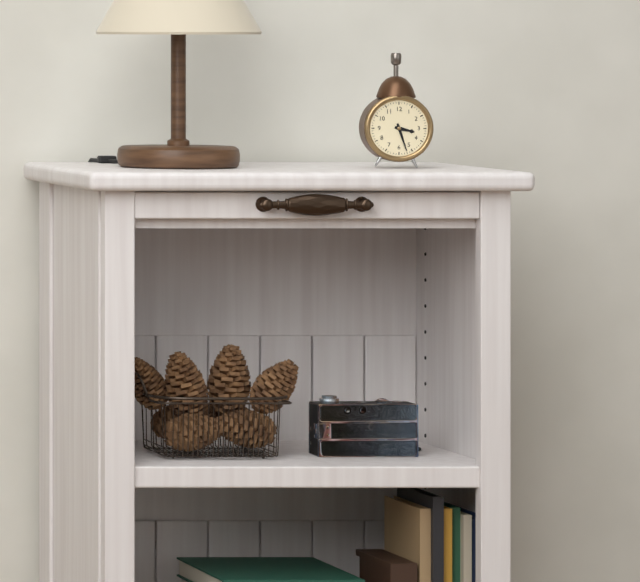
3:27
